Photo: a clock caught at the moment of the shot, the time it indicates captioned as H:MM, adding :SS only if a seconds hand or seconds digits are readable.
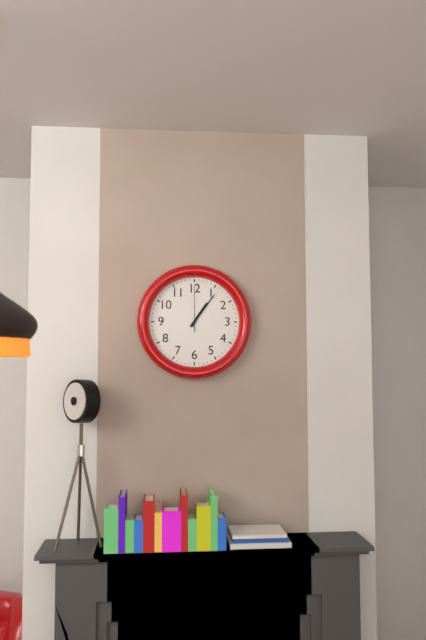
1:06
